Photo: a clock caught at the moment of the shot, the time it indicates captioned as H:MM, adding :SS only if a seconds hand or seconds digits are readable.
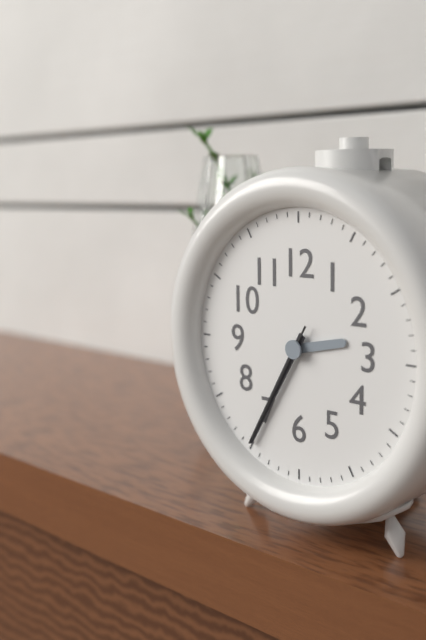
2:35:35
